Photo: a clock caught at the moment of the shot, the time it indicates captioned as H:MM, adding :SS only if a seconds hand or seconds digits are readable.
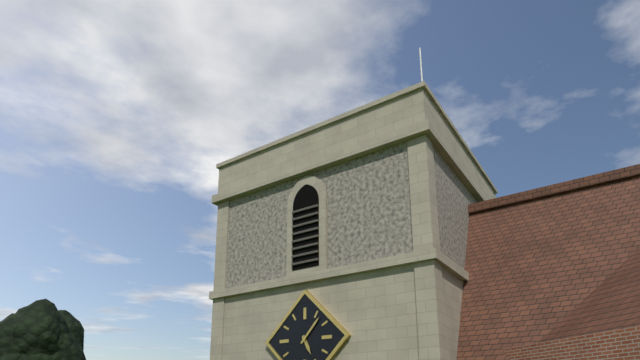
5:07
